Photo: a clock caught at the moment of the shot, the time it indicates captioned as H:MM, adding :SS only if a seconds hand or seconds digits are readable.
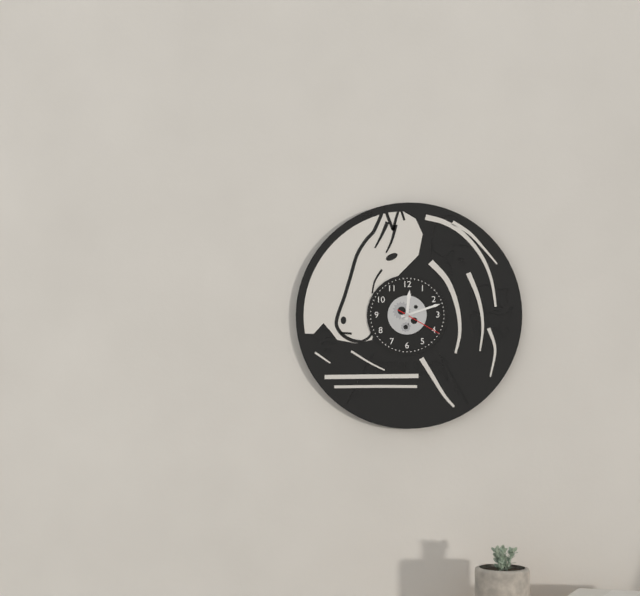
12:12
